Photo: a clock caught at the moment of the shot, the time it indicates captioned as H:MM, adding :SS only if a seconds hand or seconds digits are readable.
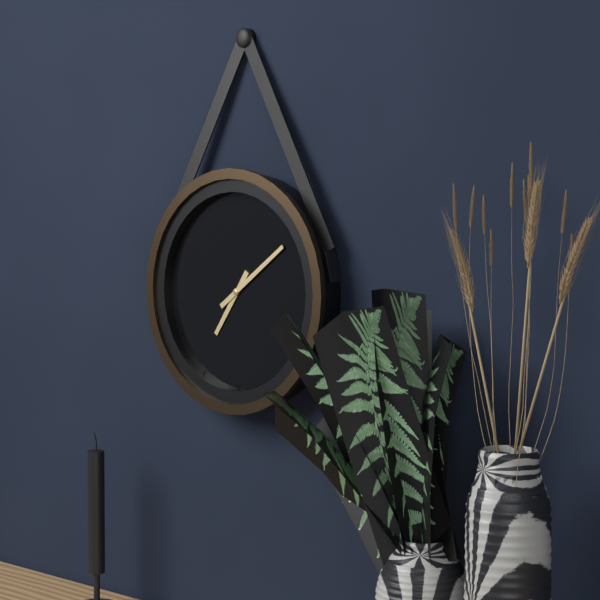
7:09
